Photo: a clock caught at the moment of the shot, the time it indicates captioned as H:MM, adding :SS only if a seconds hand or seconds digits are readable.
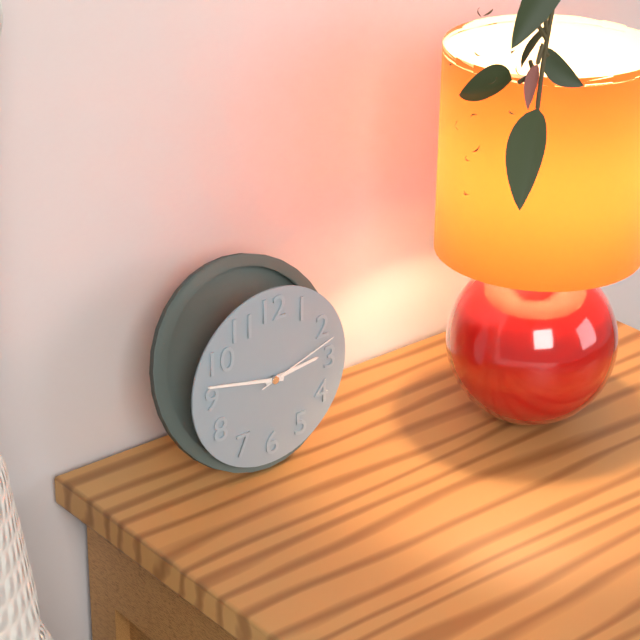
2:47:12
